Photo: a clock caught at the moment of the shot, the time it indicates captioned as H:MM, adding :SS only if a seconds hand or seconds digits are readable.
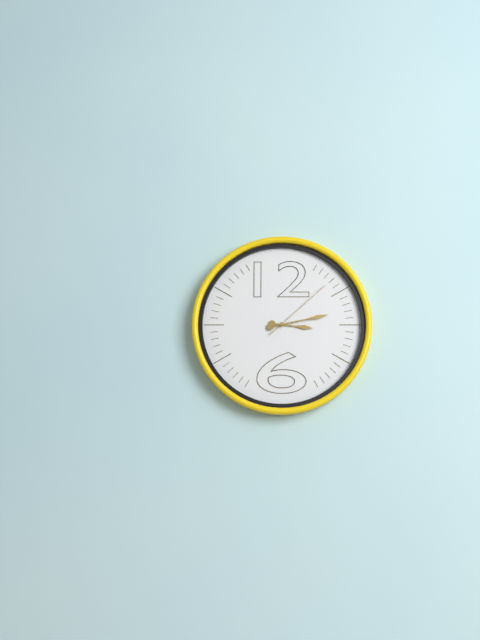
3:13:08
